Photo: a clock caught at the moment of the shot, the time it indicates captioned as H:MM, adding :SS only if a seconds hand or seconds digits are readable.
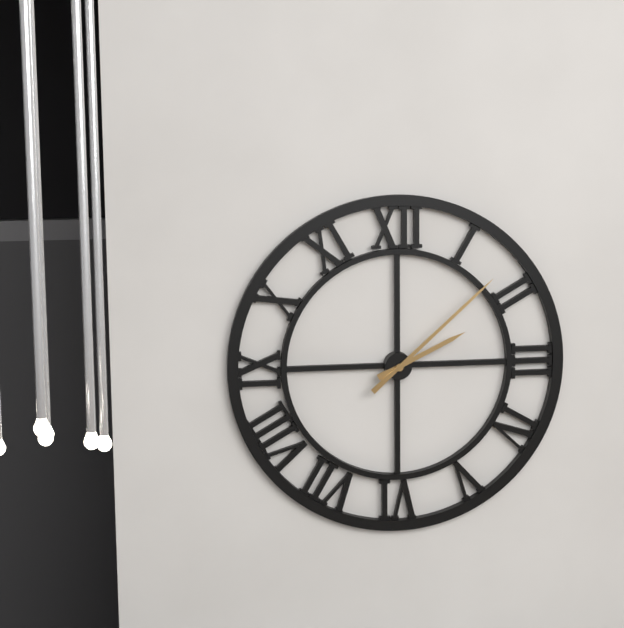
2:08
